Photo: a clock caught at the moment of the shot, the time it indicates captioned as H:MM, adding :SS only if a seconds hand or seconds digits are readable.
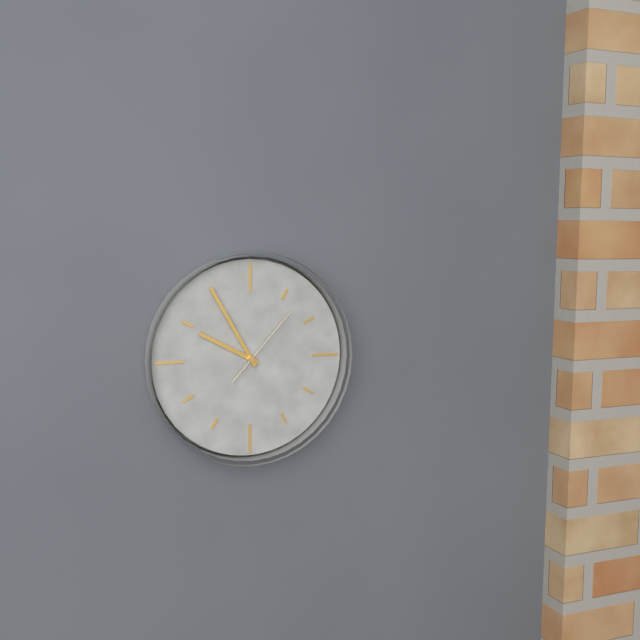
9:55:07
